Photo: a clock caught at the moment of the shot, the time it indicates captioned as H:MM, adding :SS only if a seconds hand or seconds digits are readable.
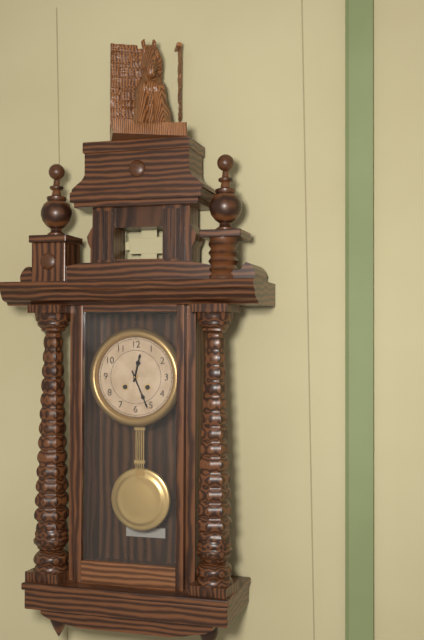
12:26
